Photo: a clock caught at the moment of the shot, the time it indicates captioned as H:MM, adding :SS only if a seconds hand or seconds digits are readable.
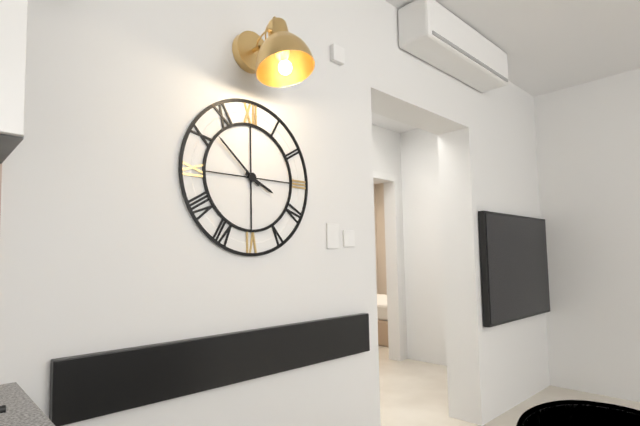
3:52
